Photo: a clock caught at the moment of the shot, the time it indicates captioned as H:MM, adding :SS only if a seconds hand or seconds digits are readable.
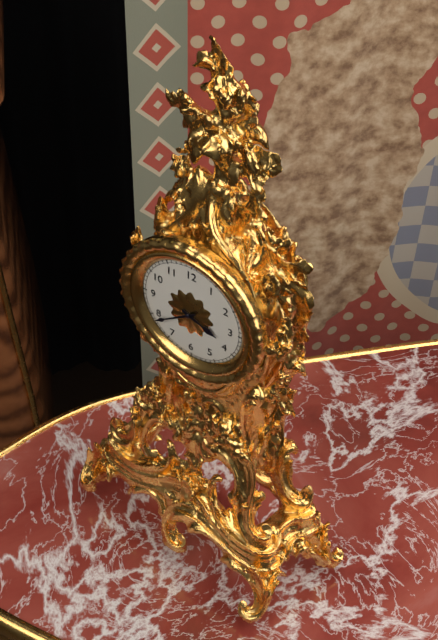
3:39
